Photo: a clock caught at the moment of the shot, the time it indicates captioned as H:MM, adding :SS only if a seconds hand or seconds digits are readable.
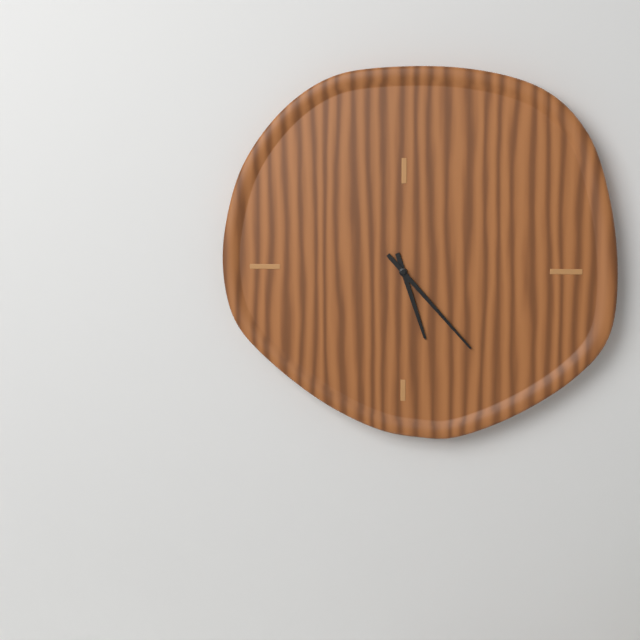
5:23
